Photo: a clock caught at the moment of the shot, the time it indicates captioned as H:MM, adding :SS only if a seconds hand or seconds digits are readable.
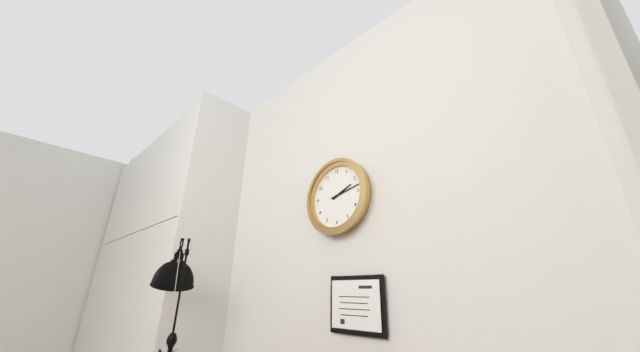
2:13
